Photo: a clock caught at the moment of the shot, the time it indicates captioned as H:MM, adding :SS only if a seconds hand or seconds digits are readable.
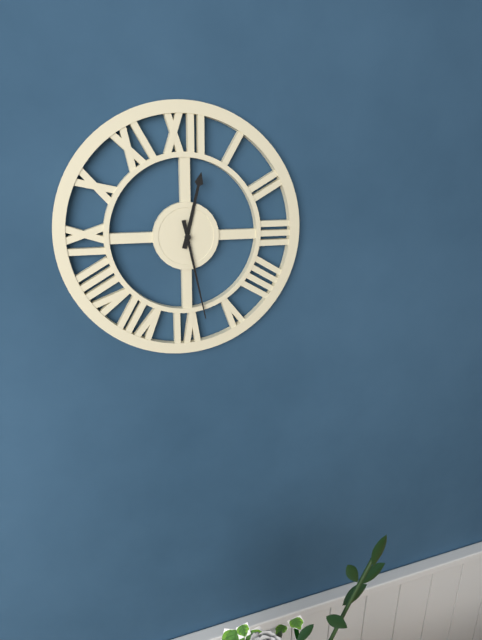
12:28
